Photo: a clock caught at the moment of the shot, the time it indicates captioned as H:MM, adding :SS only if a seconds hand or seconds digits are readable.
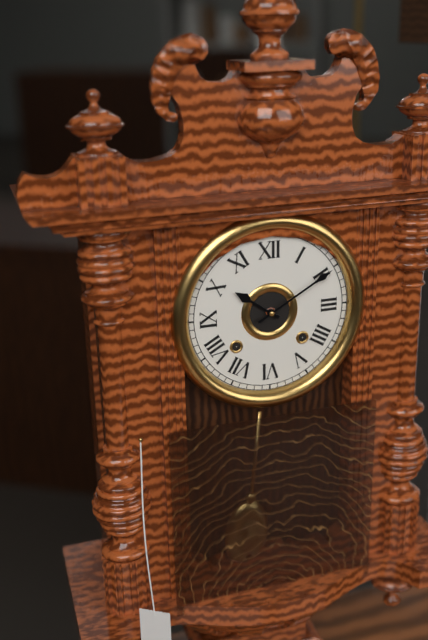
10:10
